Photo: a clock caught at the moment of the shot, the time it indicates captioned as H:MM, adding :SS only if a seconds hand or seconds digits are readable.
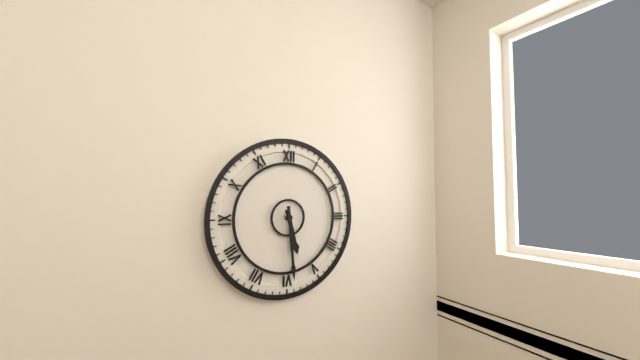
5:29
